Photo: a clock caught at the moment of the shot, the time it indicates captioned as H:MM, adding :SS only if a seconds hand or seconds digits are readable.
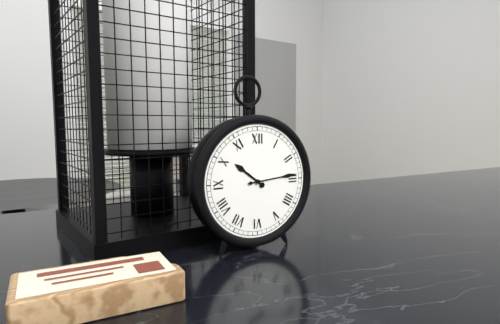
10:14
